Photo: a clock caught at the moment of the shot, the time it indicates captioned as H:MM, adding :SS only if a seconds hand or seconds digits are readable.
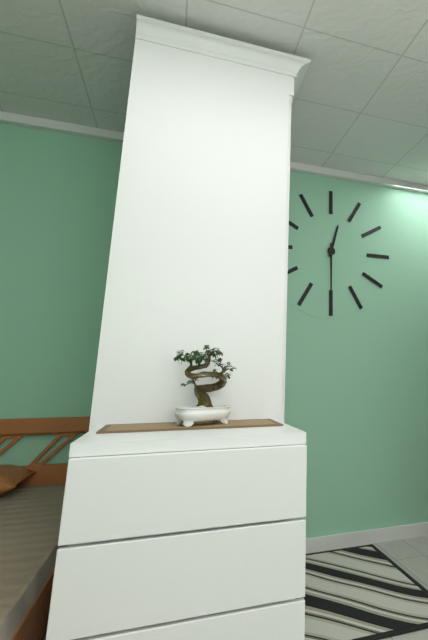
12:30
